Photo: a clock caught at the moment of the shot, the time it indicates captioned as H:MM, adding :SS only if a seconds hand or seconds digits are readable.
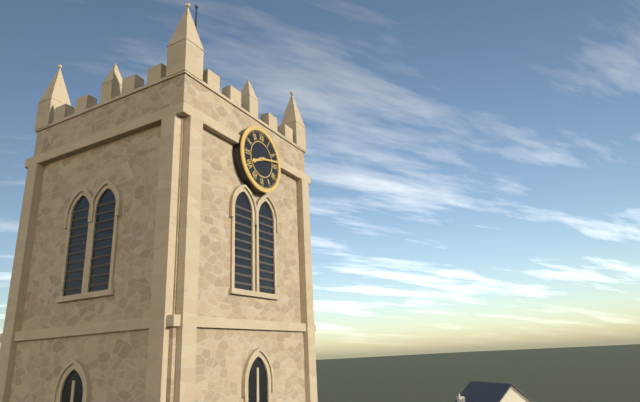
8:13
